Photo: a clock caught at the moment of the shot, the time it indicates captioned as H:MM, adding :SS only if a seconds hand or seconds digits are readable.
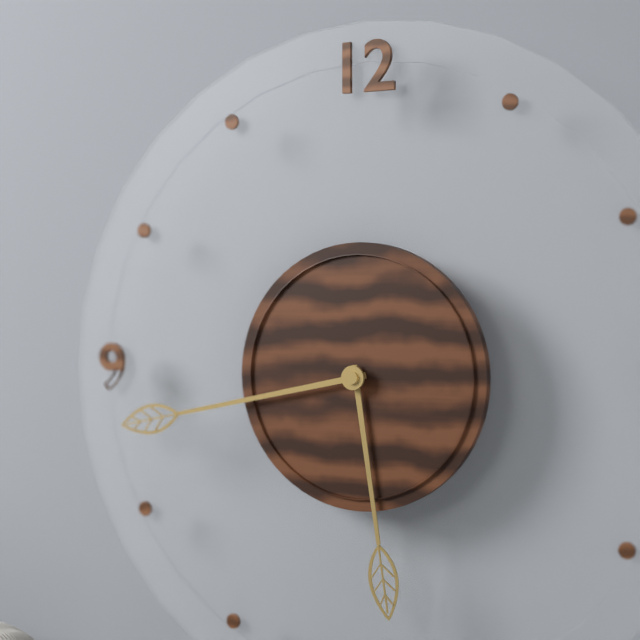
5:43
